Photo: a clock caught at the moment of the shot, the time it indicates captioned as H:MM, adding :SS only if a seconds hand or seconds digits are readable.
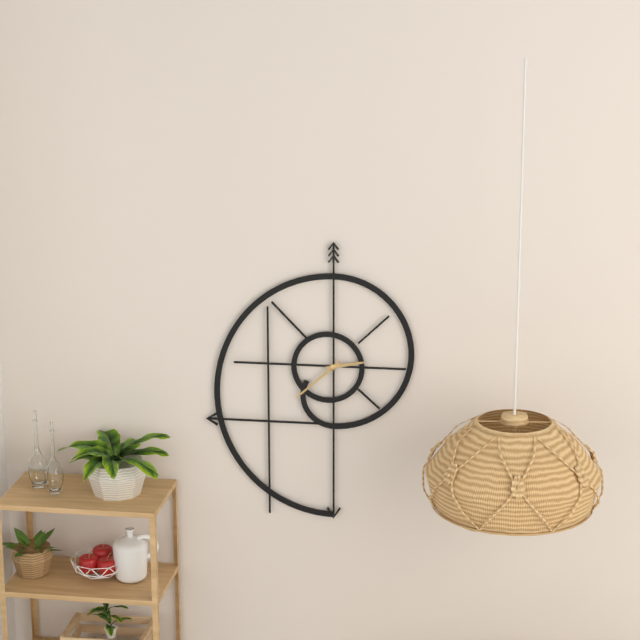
2:38
